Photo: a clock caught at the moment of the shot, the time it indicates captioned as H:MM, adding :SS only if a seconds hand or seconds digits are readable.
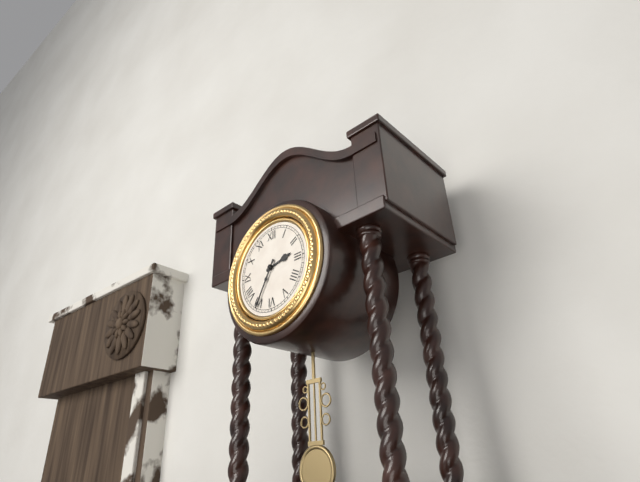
2:35
